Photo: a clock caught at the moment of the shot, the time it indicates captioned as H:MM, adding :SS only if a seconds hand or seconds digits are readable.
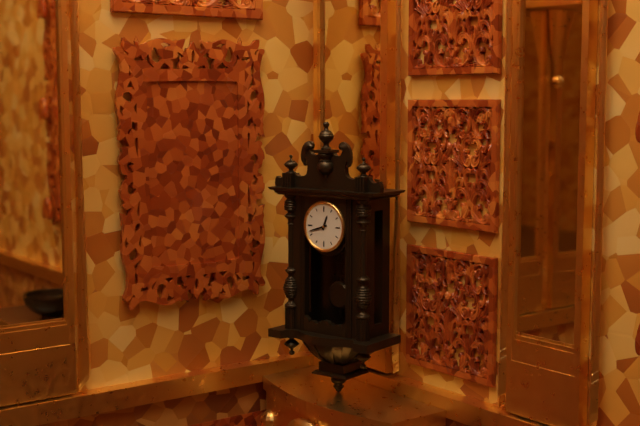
12:42
